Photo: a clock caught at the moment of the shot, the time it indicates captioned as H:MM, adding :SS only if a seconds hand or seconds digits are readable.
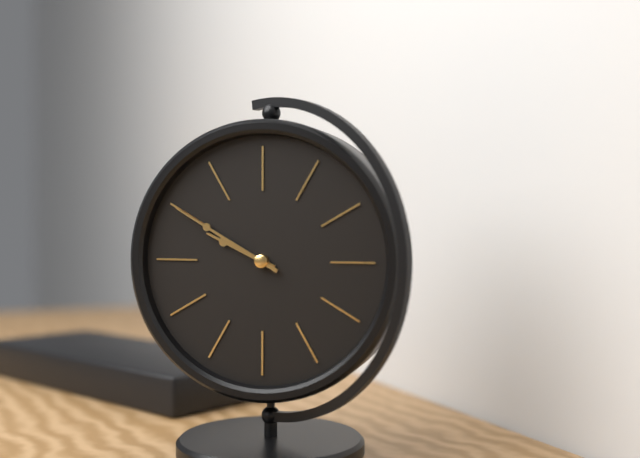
9:50
